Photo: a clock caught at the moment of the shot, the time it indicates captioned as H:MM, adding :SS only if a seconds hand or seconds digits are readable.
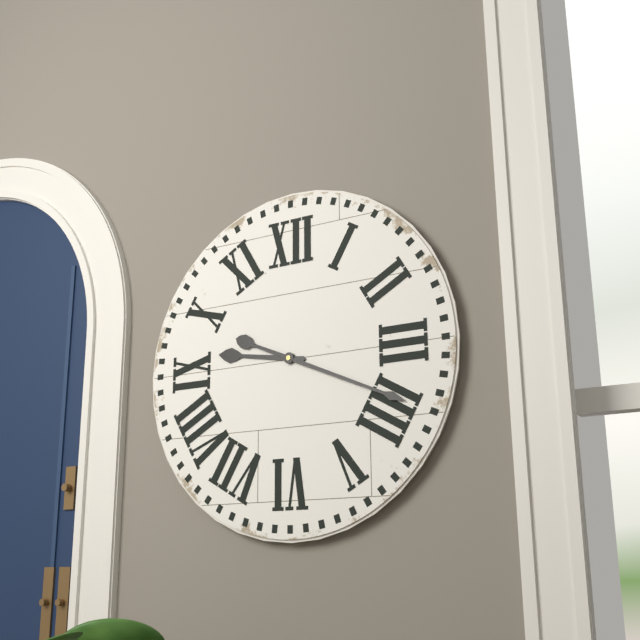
9:19
